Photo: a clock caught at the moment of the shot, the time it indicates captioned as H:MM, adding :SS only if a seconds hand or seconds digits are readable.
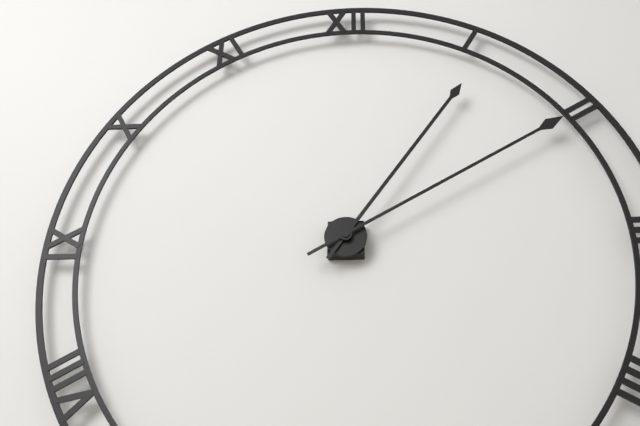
1:10
